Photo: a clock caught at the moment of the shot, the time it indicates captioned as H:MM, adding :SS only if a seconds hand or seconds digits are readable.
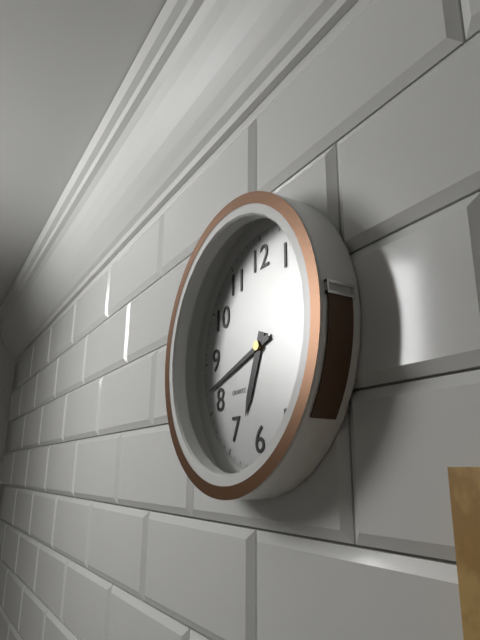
6:42
